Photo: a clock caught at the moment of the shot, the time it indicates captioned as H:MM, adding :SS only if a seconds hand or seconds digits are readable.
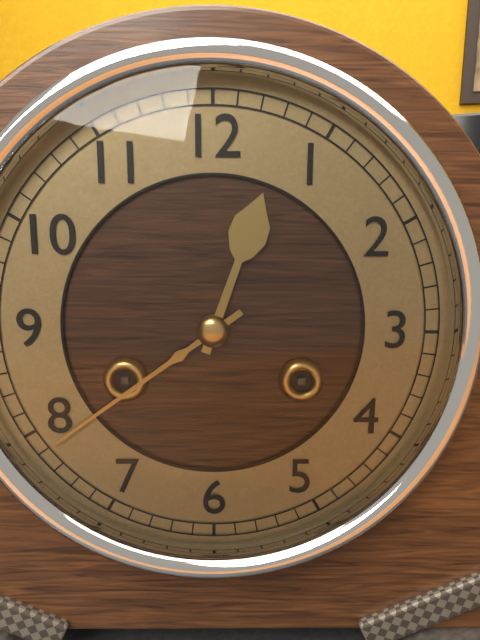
12:39
